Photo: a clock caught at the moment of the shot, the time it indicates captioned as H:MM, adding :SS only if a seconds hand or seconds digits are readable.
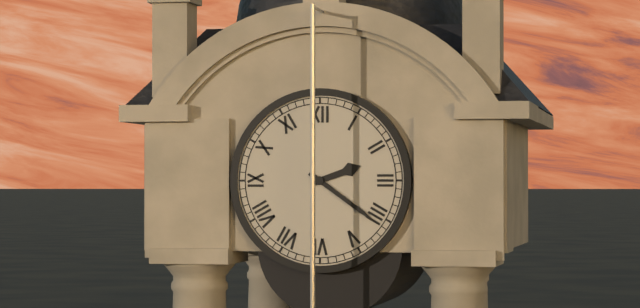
2:21
